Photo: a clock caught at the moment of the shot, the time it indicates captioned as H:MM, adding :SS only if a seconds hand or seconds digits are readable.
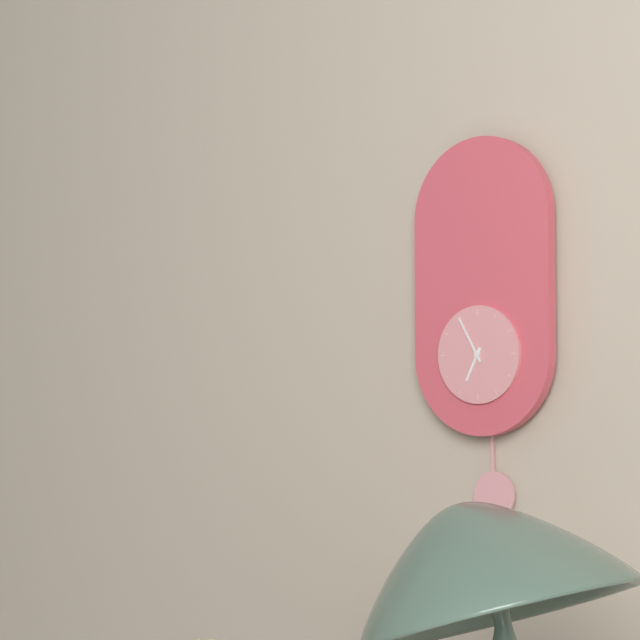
6:55
